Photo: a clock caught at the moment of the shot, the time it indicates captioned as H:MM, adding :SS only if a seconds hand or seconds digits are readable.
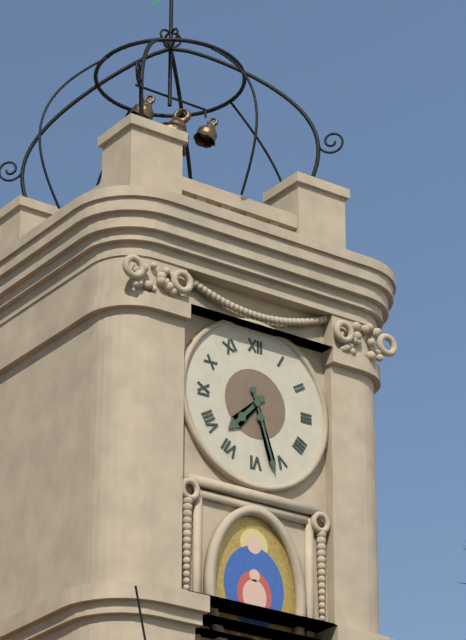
7:27
